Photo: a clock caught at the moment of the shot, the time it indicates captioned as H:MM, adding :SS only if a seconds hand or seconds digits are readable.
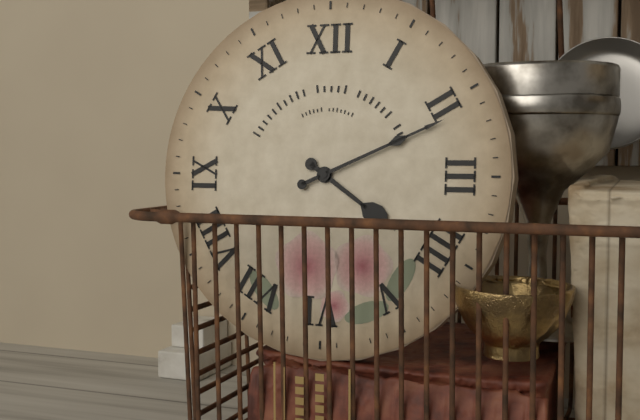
4:11
